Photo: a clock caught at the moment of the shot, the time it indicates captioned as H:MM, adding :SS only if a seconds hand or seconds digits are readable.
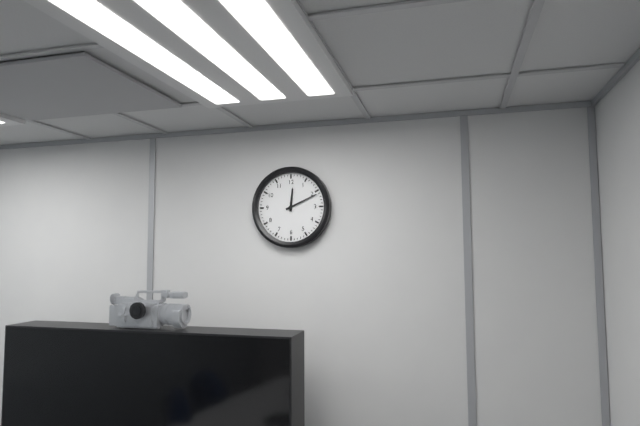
12:11
